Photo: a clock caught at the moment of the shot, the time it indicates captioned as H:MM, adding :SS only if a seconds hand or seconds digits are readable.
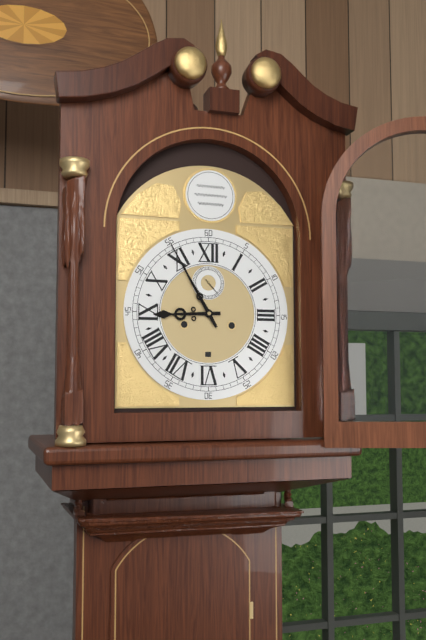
8:55
